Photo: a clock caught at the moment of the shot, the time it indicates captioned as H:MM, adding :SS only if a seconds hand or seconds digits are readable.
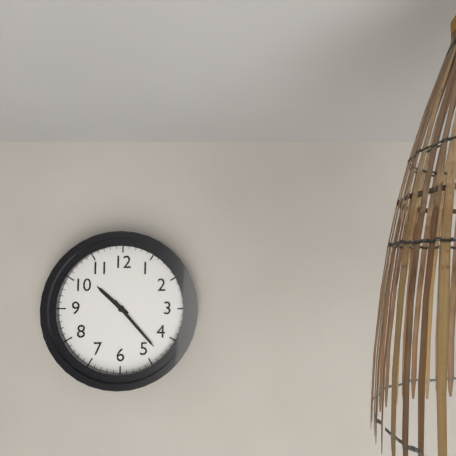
10:23
